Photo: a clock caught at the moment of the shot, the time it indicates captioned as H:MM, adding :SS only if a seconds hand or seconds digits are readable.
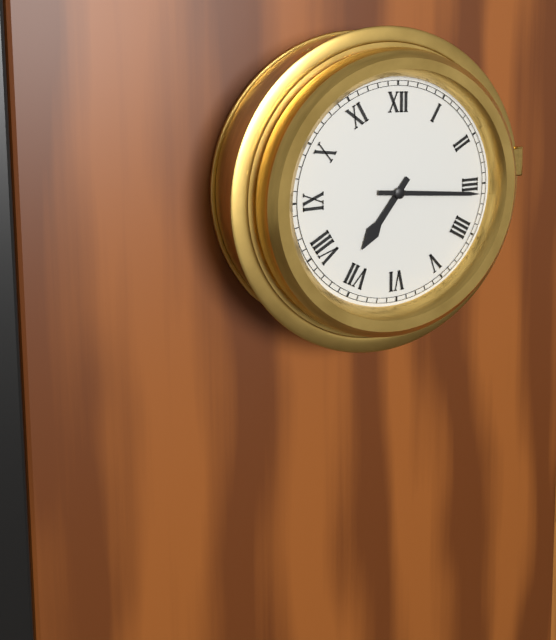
7:16
